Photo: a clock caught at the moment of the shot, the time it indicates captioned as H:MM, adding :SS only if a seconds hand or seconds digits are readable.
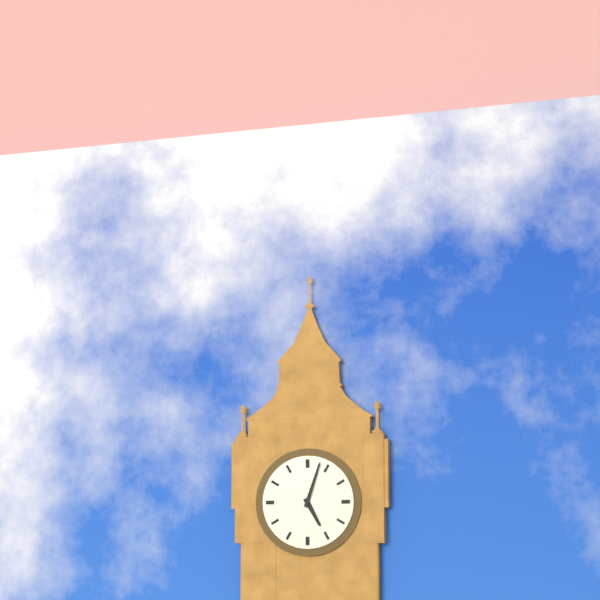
5:03
